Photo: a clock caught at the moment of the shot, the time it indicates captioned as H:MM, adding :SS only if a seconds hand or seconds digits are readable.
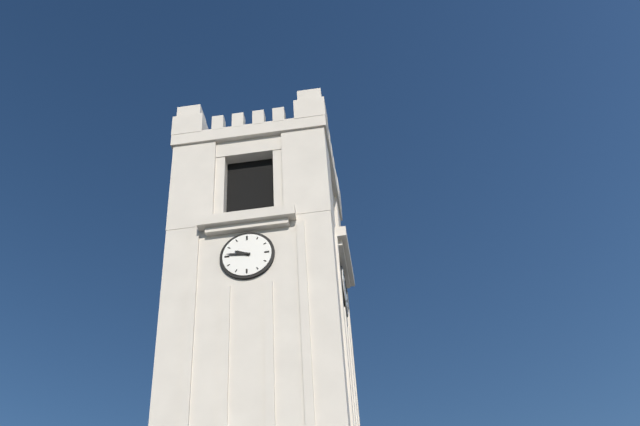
9:46
